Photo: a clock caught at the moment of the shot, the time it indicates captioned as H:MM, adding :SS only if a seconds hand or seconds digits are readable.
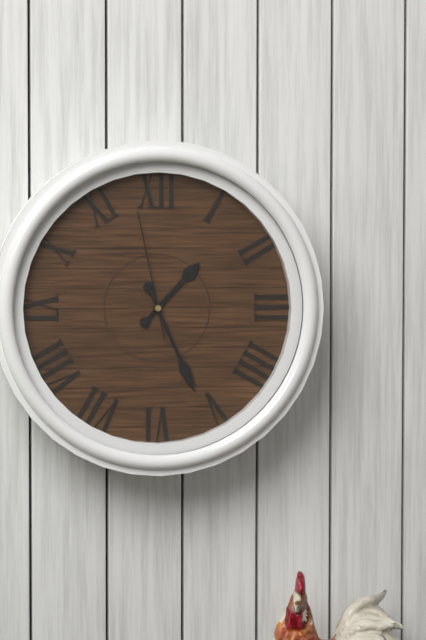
1:26:58
